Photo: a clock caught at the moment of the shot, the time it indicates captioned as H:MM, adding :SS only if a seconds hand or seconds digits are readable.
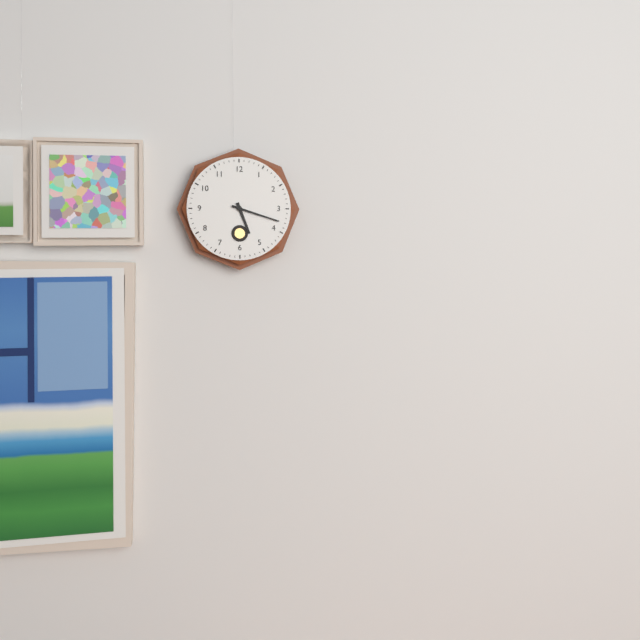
5:18
